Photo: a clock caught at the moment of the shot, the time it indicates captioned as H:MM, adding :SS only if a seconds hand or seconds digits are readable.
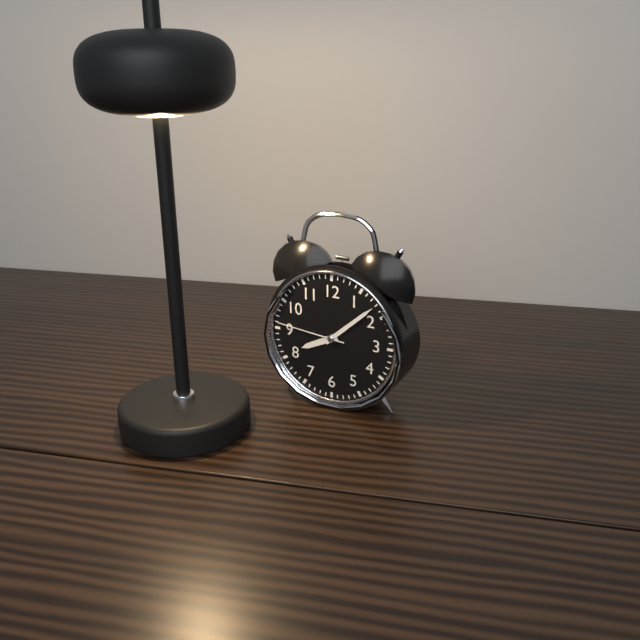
8:08:46
